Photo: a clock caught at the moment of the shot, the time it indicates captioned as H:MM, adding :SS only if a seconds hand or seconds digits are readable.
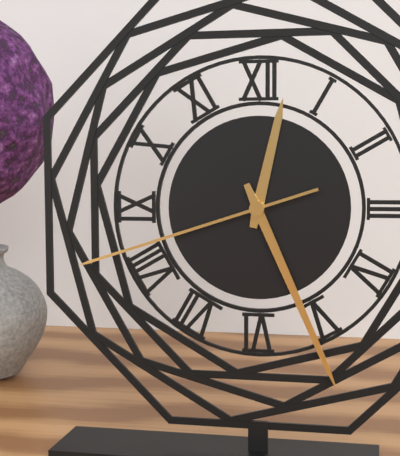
12:26:42
